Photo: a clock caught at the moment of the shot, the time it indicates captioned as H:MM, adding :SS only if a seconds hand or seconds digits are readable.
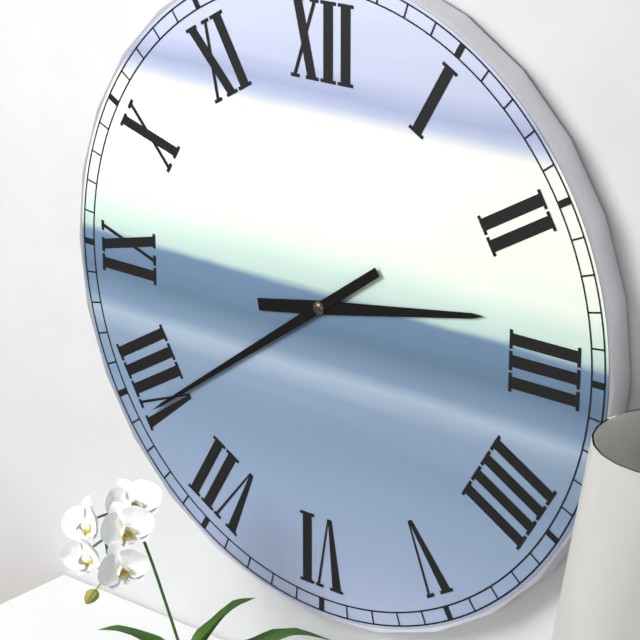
2:39
